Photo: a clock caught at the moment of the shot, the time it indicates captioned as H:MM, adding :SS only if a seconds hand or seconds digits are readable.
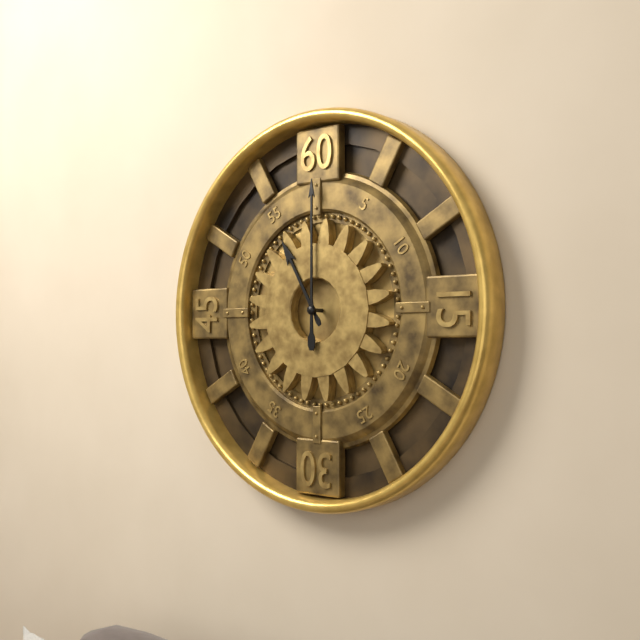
11:00
